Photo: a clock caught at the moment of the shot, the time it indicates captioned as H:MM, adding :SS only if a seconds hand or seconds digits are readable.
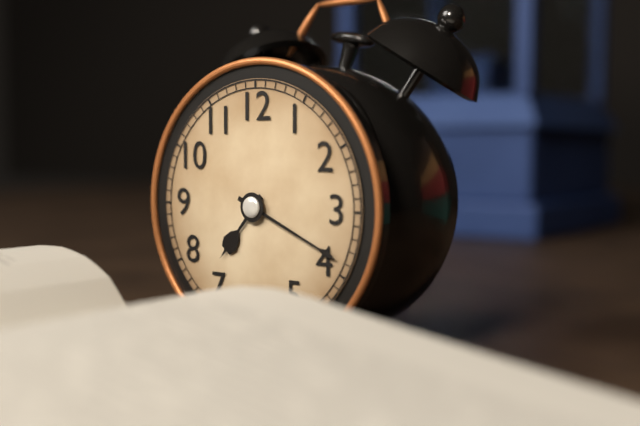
7:19
